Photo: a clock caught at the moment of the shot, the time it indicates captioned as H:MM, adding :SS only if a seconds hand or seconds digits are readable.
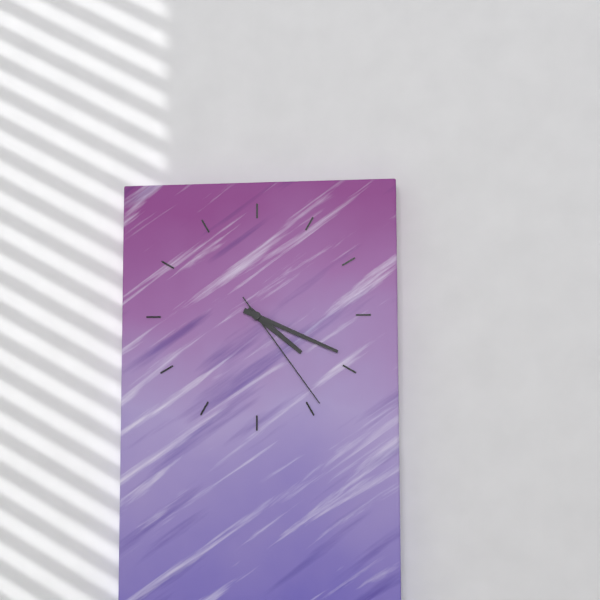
4:19:24
